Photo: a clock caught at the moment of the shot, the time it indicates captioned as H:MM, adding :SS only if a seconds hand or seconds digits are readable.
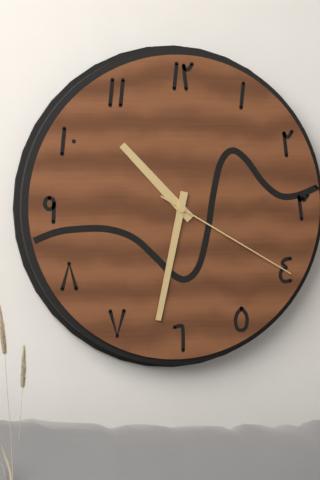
10:32:20
